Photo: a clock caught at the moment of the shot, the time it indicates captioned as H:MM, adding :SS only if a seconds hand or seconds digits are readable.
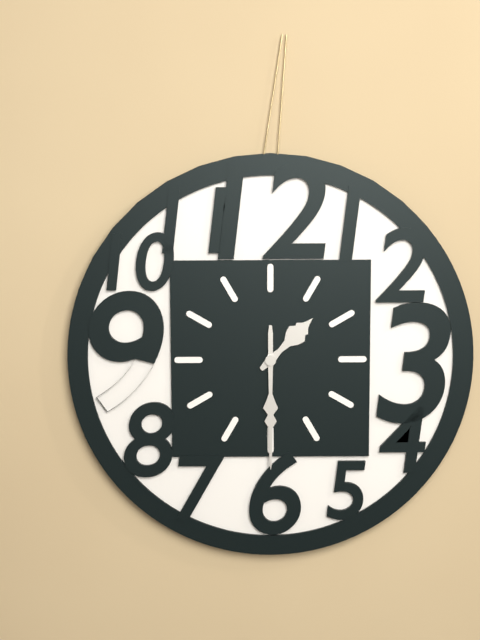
1:30
